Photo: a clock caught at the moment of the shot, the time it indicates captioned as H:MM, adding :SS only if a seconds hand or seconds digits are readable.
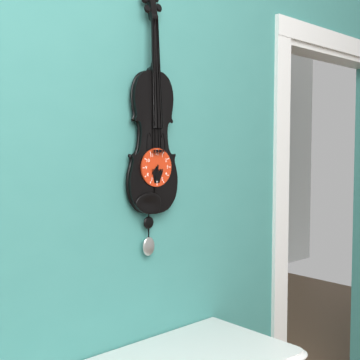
7:32
